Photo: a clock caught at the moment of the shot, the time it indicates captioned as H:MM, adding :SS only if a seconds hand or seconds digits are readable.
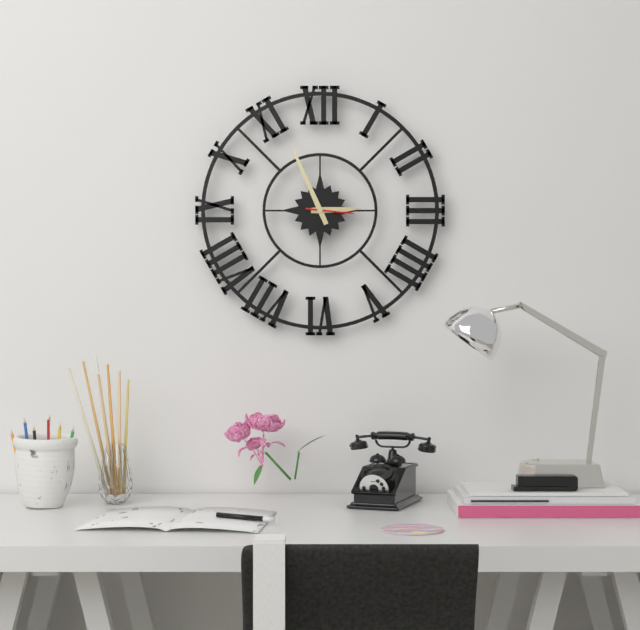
2:56
